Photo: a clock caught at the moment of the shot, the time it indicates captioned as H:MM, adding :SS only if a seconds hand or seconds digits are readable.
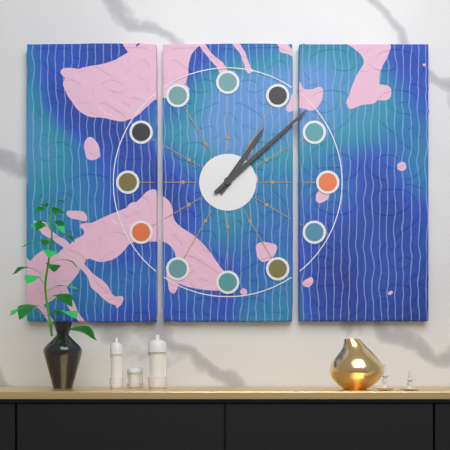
1:08
